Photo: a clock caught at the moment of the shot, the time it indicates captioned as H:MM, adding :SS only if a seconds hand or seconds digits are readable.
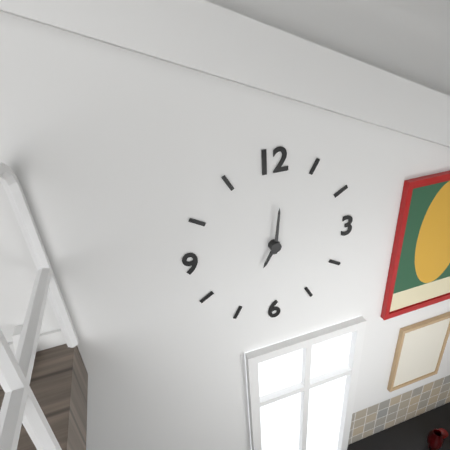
7:01
